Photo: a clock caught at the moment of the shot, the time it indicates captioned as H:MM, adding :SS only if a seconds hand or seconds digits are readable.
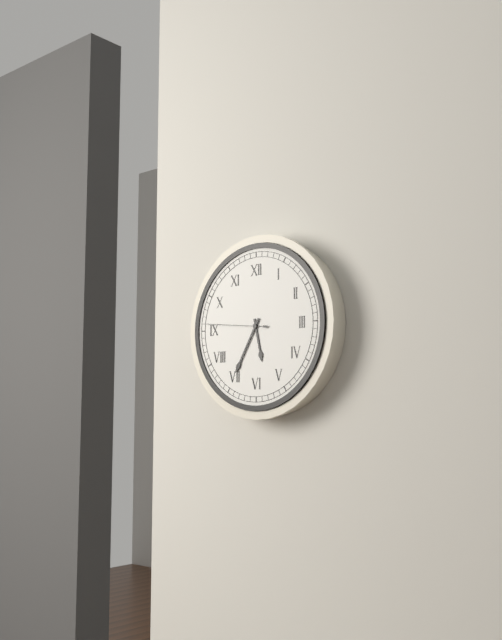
5:35:46
